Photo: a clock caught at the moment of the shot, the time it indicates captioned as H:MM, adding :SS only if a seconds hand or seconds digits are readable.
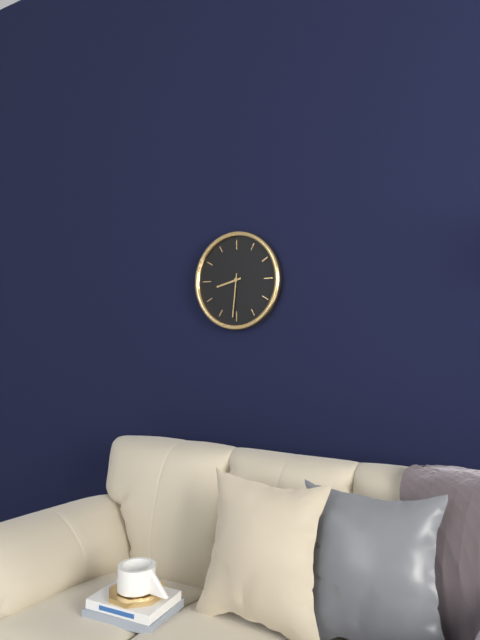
8:31
